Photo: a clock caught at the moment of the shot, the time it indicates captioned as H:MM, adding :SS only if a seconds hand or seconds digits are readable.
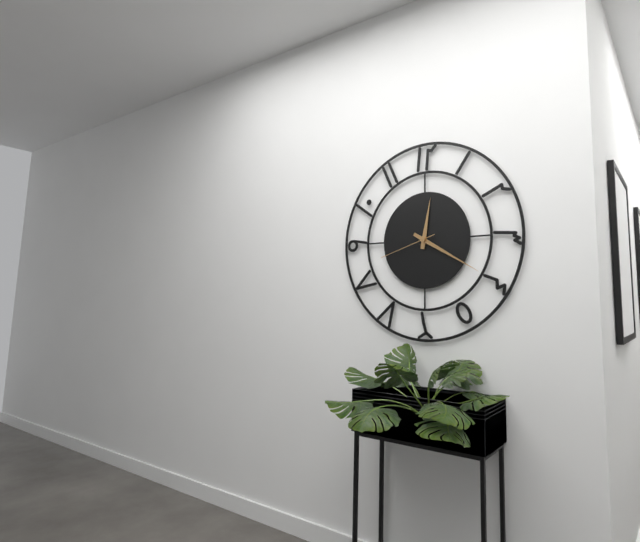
12:20:42
